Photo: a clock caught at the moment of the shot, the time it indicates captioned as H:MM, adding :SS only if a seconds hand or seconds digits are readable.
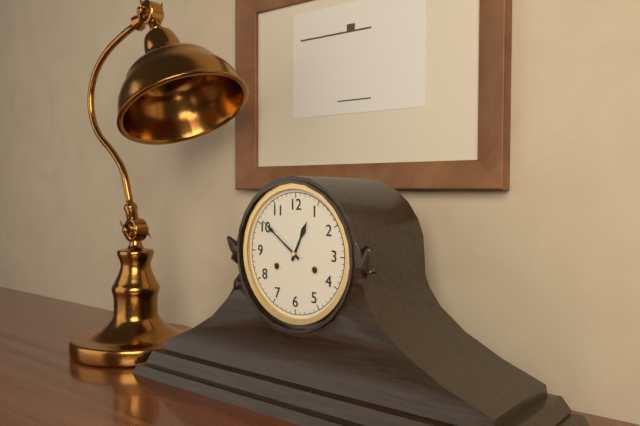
12:51
